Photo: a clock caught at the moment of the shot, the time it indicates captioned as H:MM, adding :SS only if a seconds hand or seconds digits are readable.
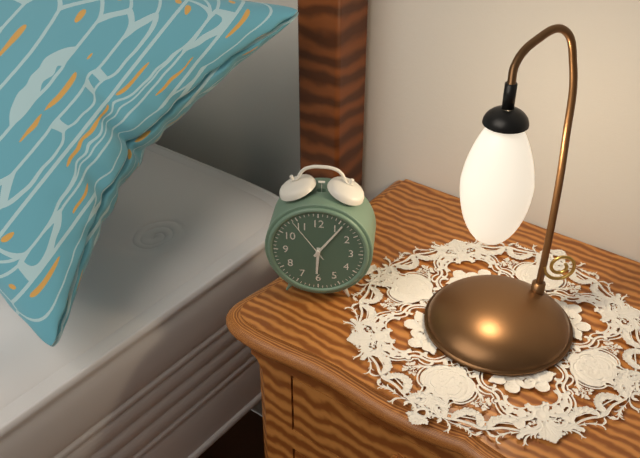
6:06
